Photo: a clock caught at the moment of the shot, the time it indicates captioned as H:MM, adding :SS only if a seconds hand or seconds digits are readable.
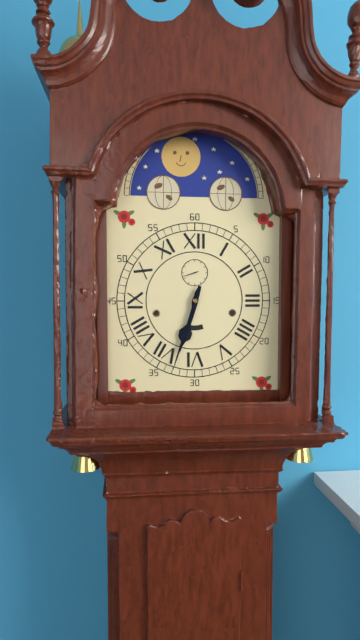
6:33
